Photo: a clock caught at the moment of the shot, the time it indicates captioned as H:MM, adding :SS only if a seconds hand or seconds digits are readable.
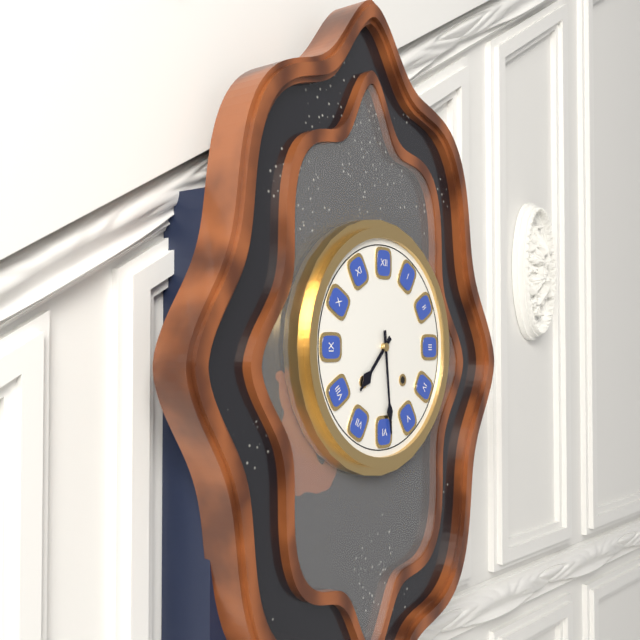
7:29
